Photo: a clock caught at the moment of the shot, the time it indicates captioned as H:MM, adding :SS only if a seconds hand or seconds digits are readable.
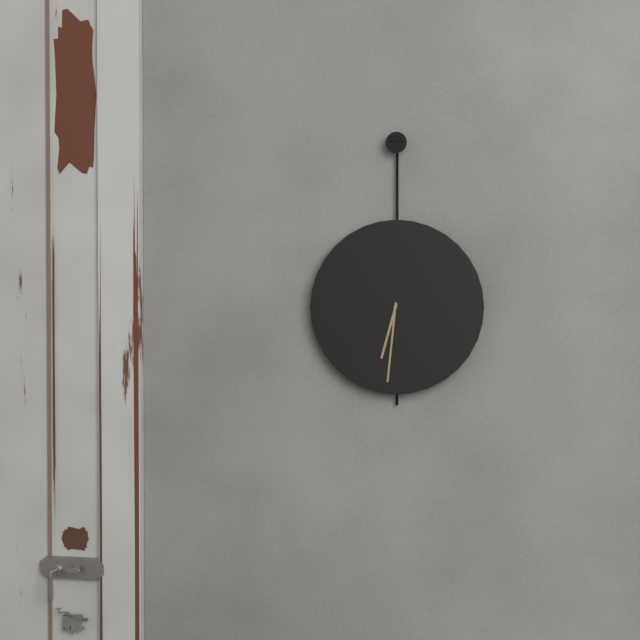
6:31
